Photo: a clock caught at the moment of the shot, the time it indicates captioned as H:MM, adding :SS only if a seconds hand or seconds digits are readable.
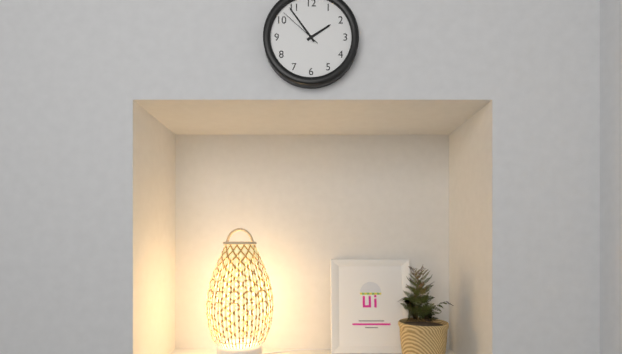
1:54
